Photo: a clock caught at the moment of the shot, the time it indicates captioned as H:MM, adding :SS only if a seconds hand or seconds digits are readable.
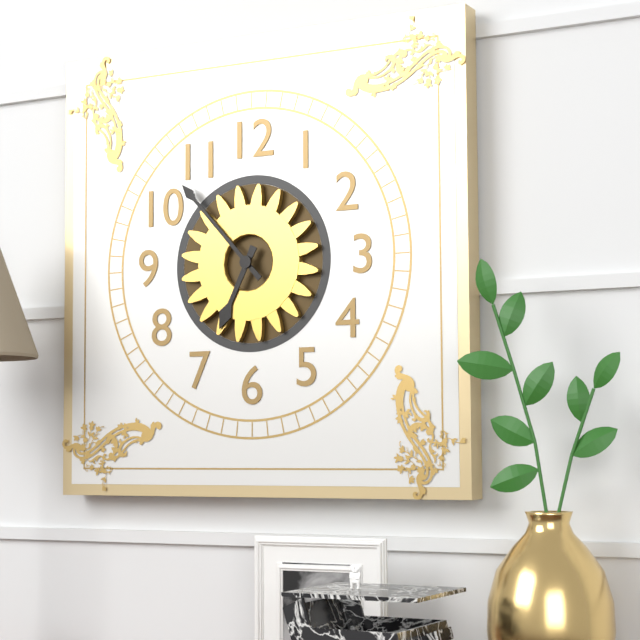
6:53
